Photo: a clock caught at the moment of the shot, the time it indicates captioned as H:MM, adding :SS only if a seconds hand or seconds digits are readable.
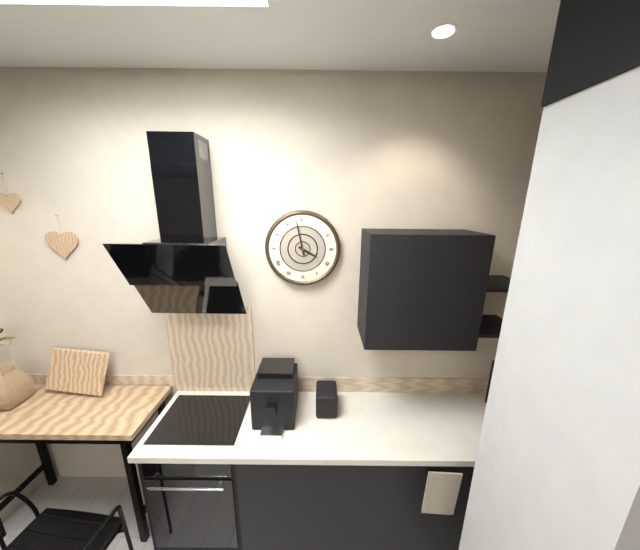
3:58
